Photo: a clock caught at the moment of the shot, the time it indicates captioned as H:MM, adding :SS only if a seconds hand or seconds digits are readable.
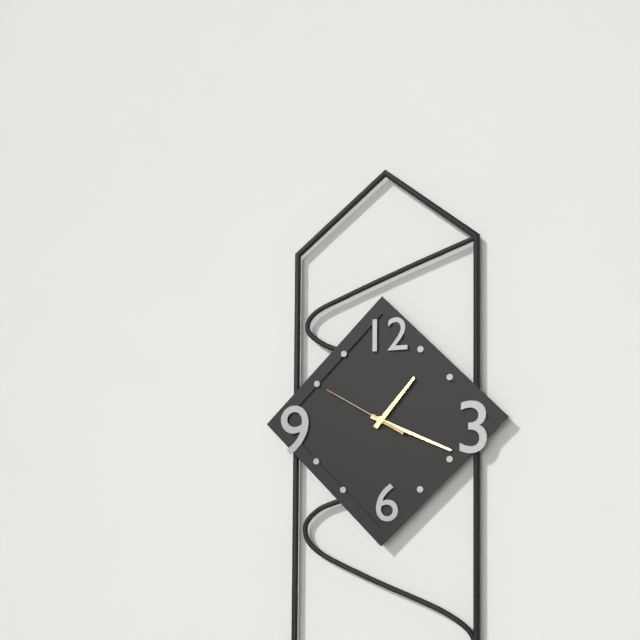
1:19:50
